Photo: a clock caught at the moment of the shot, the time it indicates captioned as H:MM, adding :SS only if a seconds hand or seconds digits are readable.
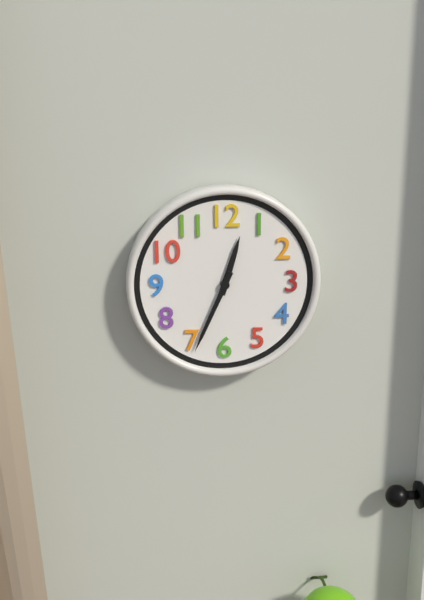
12:34
